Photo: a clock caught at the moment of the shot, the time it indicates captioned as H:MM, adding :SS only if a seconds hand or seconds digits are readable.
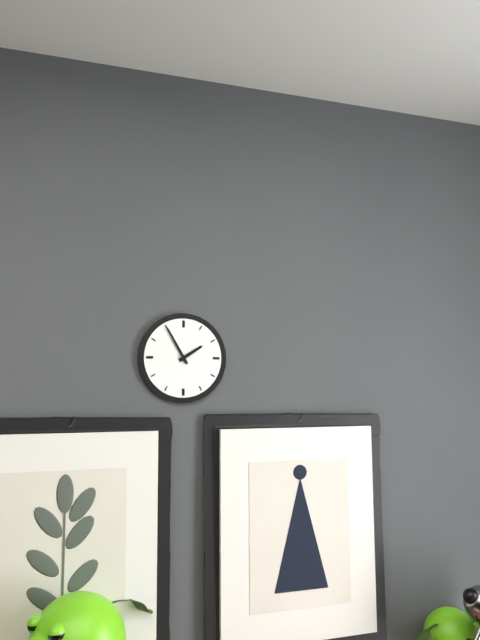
1:55
